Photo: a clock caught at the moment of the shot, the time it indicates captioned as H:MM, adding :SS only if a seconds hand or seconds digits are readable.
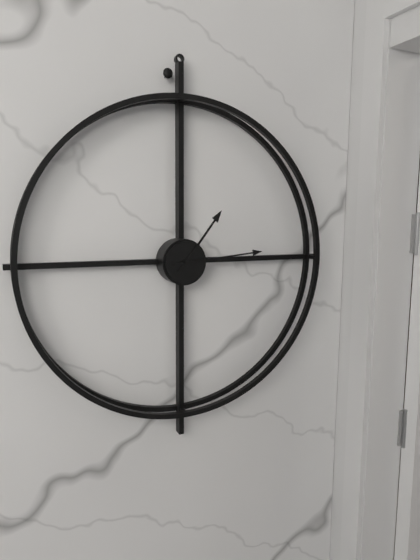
1:14
